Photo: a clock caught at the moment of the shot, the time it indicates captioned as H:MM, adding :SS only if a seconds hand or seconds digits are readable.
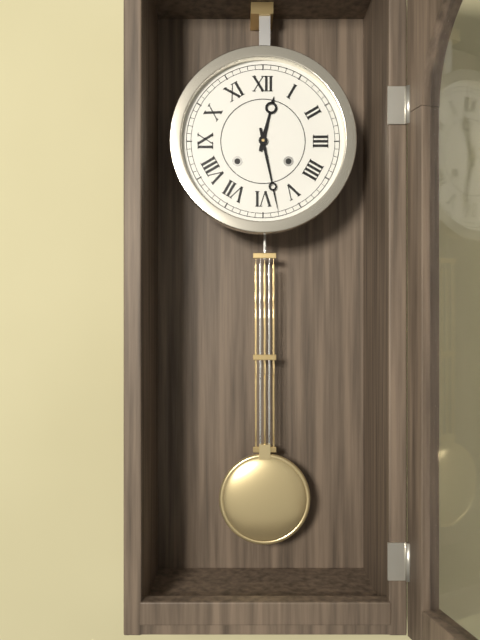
12:28
